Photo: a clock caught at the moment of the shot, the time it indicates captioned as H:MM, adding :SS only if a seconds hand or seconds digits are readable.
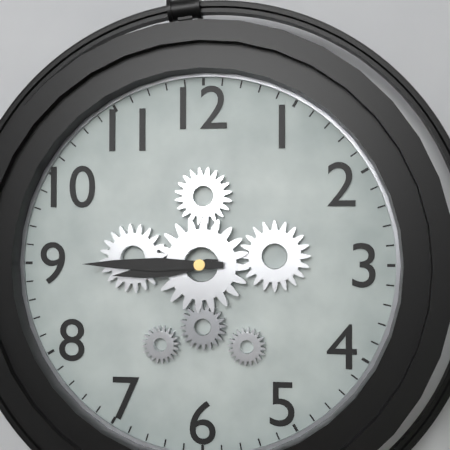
8:45
